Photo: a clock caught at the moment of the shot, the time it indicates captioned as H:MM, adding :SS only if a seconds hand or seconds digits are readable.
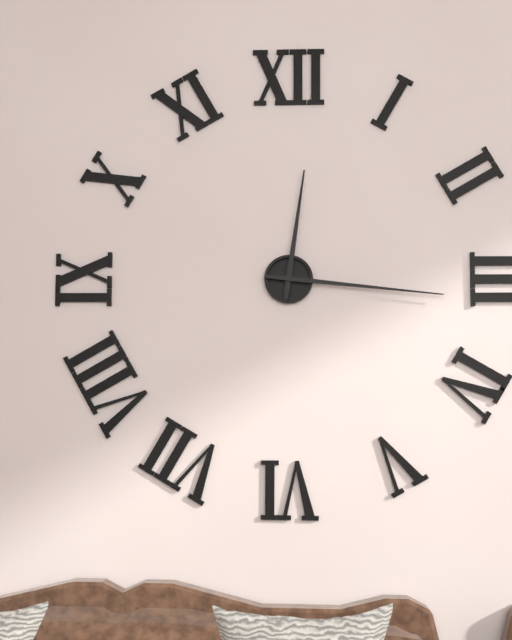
12:16
